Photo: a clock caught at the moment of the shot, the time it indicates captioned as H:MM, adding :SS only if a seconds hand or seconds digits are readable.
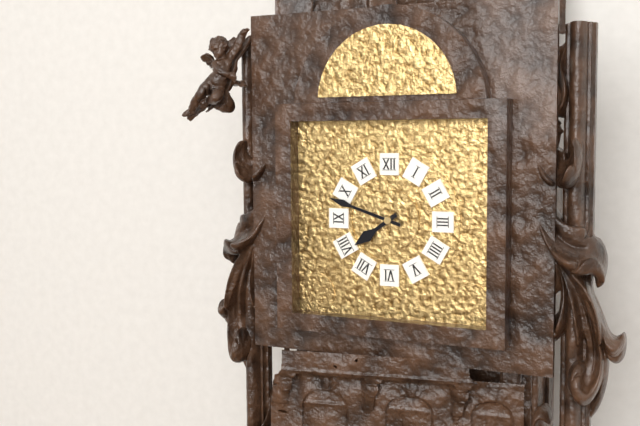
7:48
